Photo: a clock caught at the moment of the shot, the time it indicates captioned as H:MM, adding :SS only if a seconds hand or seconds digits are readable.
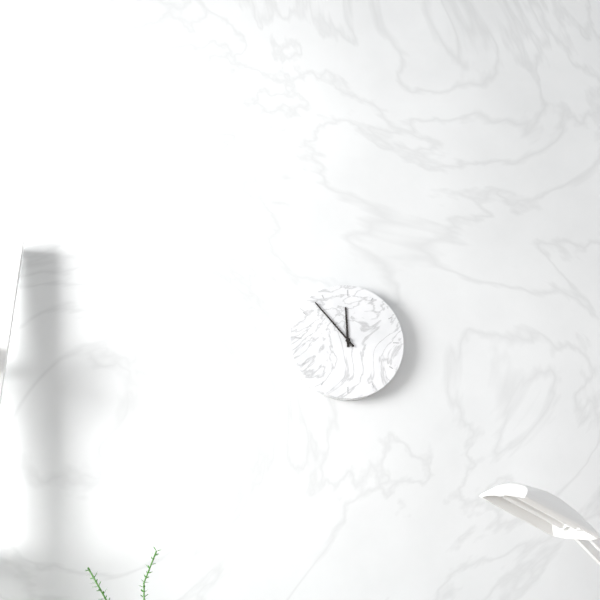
11:53
